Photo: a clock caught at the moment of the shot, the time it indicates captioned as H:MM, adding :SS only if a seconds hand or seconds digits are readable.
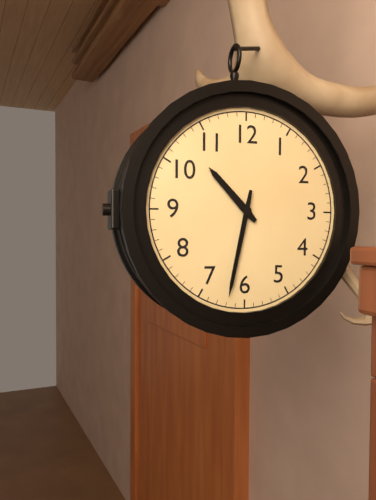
10:32
